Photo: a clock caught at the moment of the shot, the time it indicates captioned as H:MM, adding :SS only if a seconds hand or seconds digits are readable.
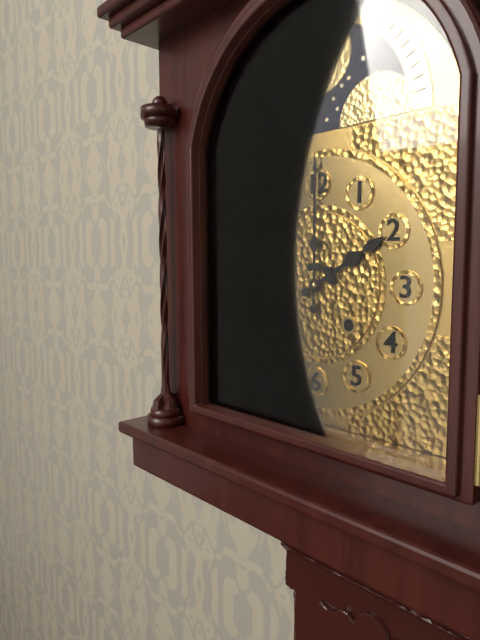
2:00
